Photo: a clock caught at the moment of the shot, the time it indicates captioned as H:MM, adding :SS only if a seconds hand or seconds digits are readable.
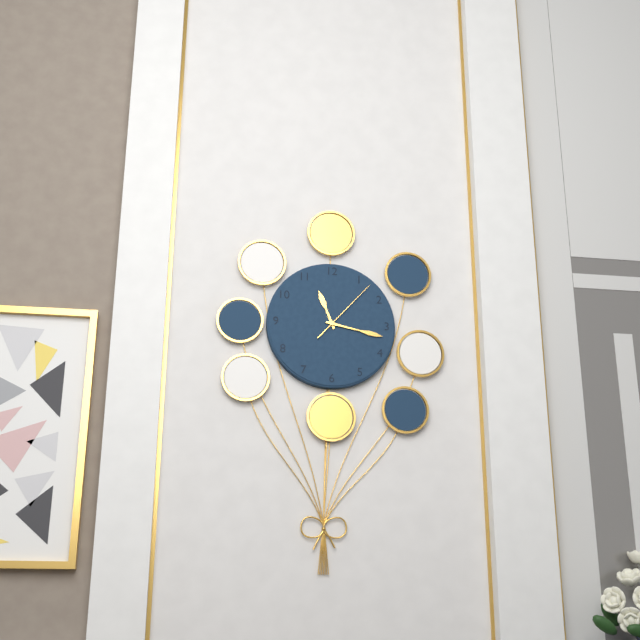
11:17:07
